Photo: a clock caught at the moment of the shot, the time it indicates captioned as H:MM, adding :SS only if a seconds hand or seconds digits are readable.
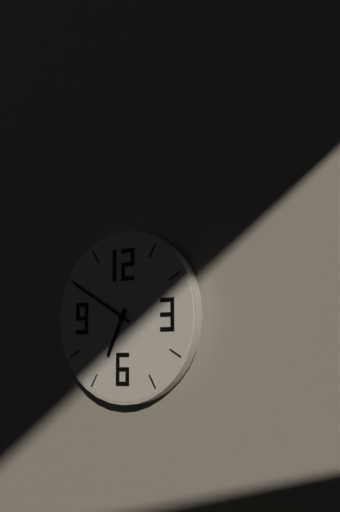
6:50
